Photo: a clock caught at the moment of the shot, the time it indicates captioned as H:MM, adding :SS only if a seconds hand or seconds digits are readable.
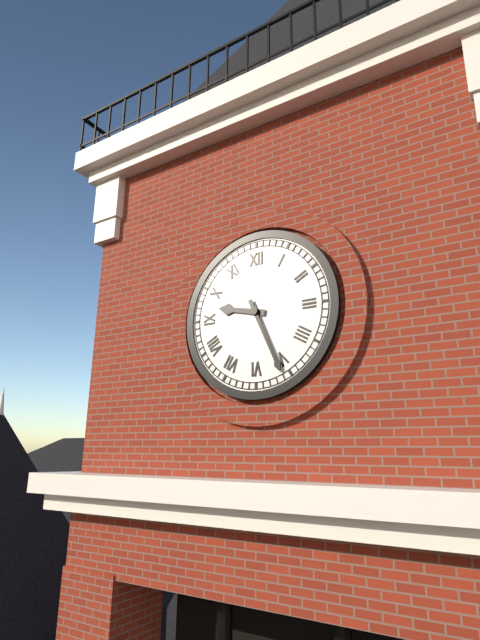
9:26
